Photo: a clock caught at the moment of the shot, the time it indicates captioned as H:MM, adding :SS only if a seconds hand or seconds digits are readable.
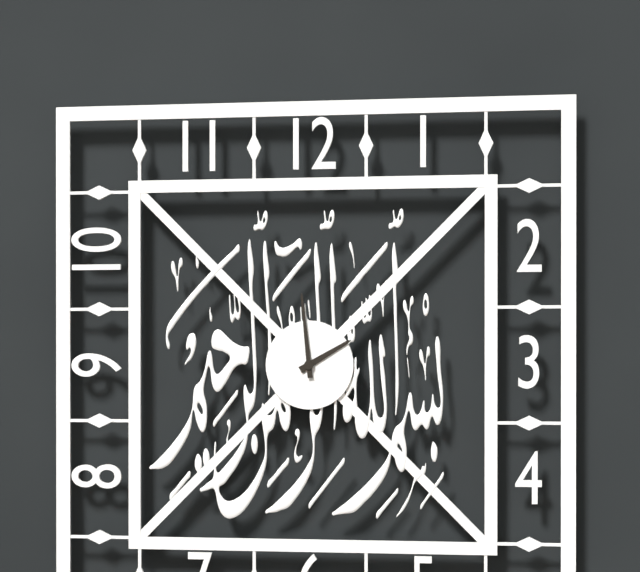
1:59
